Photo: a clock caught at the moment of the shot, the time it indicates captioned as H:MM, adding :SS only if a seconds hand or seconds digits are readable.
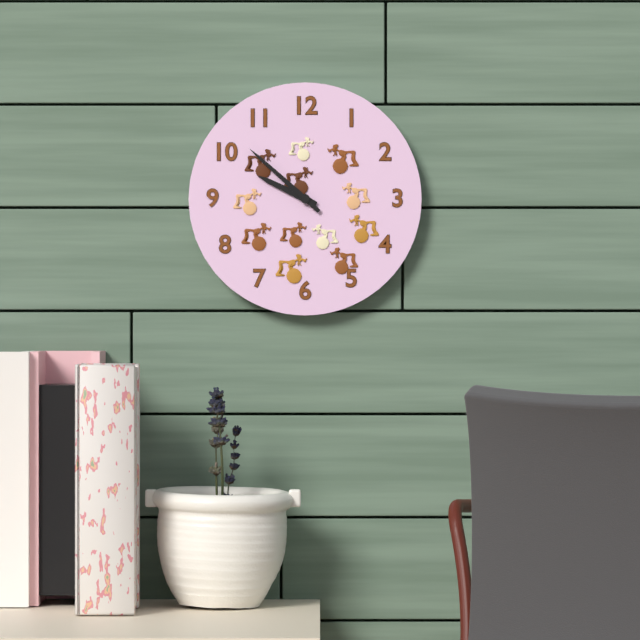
9:52
